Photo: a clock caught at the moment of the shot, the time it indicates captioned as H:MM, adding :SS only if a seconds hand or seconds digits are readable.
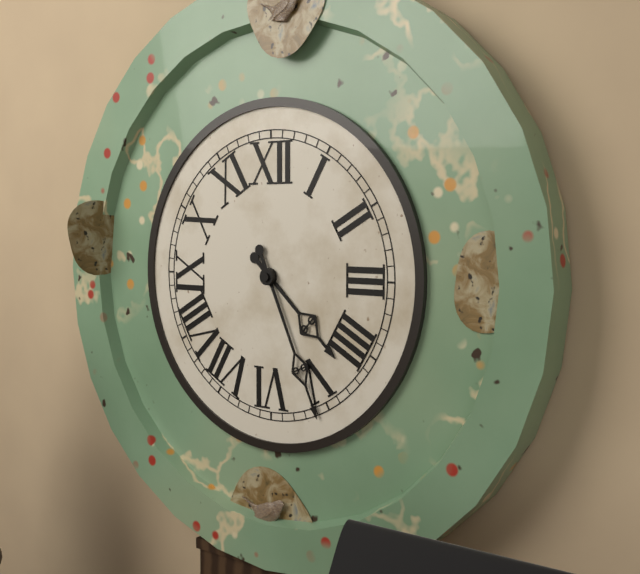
4:26
